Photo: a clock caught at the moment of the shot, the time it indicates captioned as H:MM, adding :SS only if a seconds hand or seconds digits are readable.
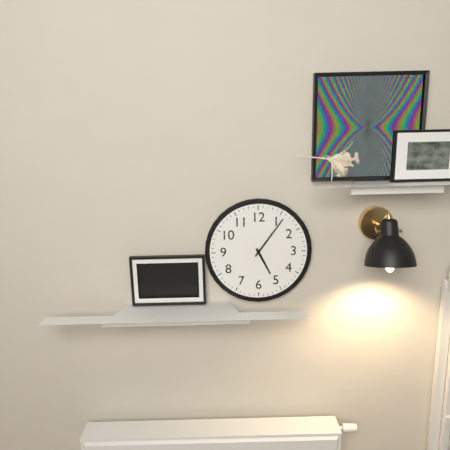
5:06
